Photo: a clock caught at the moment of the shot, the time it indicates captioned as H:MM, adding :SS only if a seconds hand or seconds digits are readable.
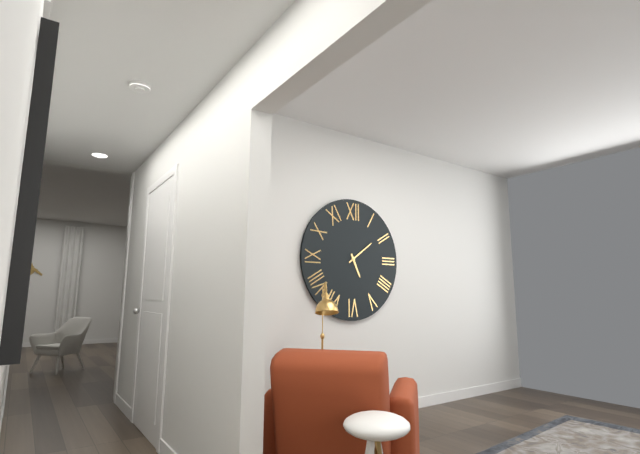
5:09
